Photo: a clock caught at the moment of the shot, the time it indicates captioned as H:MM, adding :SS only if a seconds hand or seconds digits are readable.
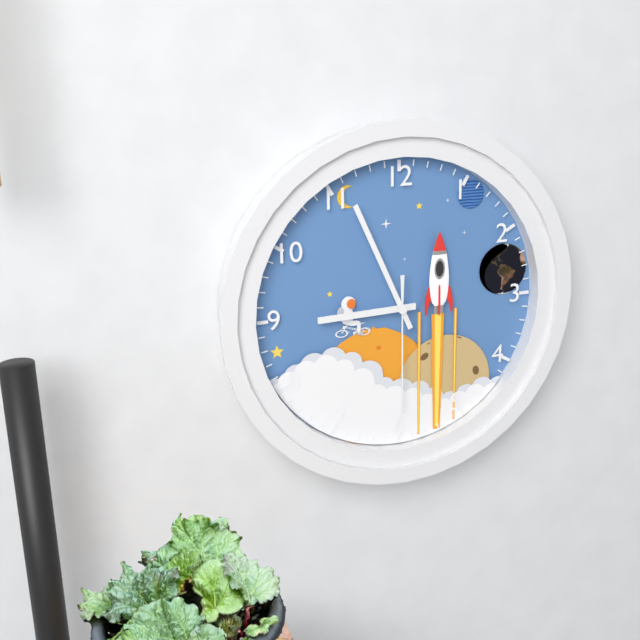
8:56:30
